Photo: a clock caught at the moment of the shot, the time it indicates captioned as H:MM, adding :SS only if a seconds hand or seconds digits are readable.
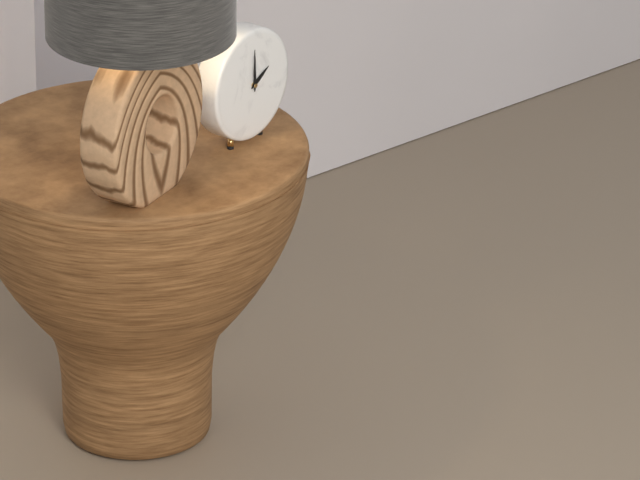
2:00
